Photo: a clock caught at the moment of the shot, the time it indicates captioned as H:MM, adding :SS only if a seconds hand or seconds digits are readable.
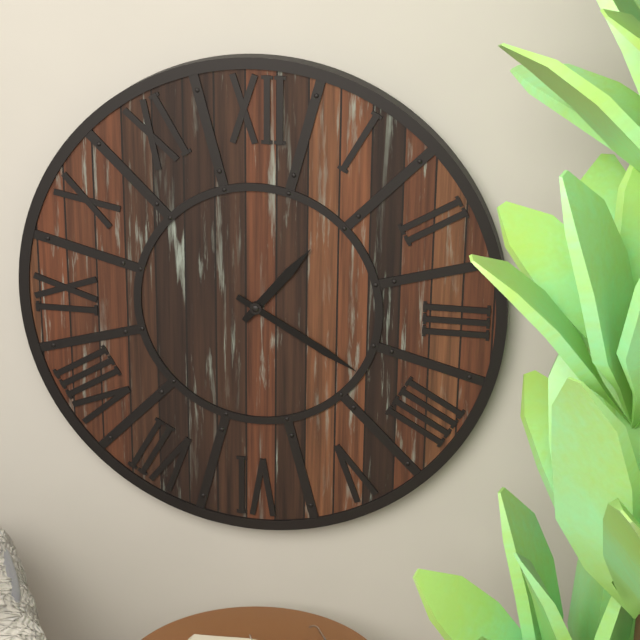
1:20
